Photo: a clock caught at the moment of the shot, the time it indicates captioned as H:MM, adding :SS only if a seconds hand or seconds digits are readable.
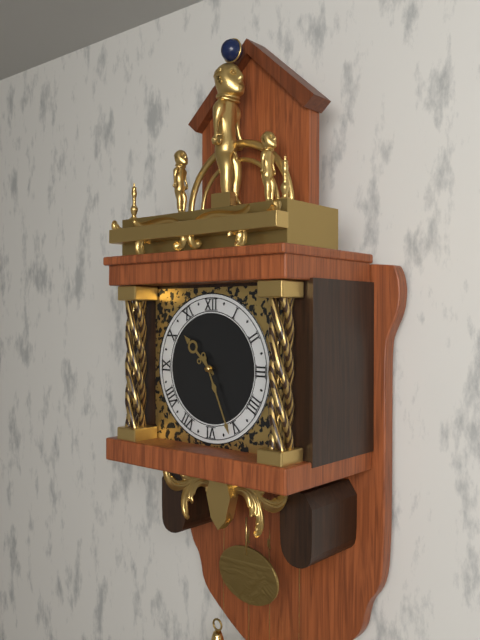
10:26
